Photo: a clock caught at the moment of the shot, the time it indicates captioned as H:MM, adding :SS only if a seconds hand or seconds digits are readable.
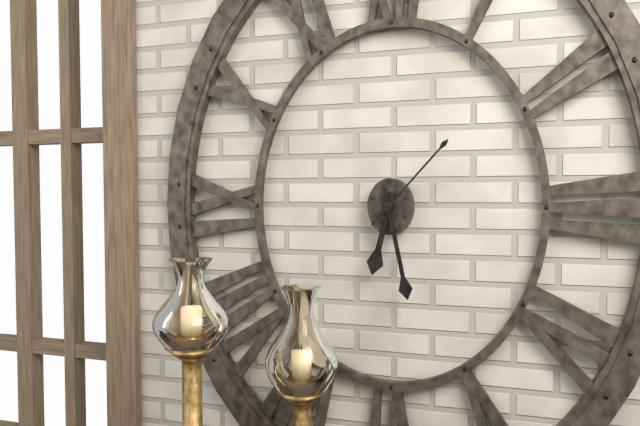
6:28:07
